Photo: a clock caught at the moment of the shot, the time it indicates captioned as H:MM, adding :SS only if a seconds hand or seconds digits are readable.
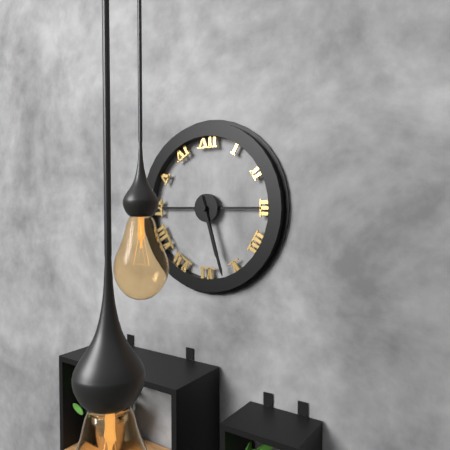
5:27
